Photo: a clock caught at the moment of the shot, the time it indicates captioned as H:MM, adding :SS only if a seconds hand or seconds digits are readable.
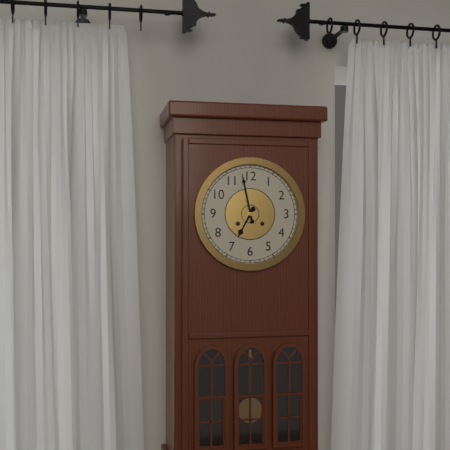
6:58
